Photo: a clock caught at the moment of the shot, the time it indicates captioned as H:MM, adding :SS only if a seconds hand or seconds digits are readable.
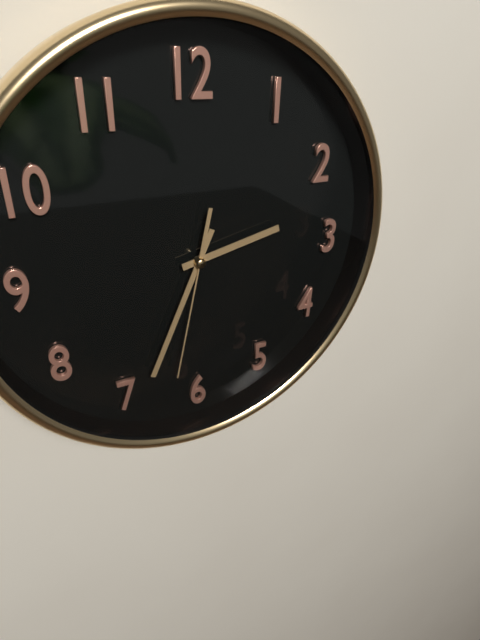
2:34:32
